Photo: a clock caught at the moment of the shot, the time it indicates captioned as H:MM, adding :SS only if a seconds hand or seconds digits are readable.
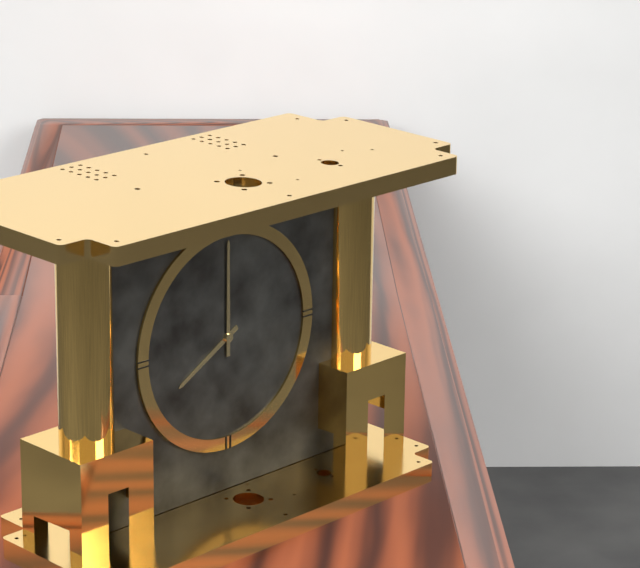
8:00
